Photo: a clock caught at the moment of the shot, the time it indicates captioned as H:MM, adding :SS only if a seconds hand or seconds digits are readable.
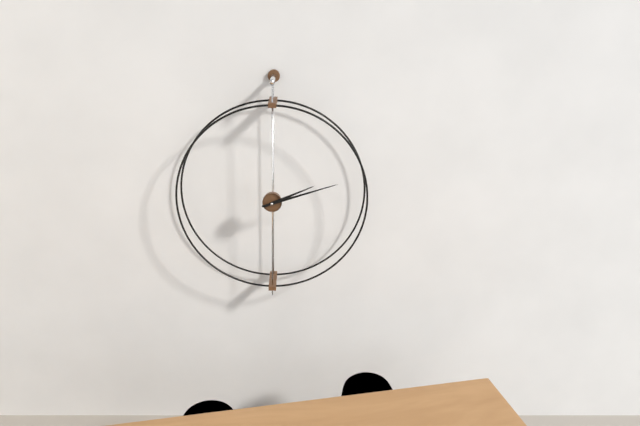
2:12
